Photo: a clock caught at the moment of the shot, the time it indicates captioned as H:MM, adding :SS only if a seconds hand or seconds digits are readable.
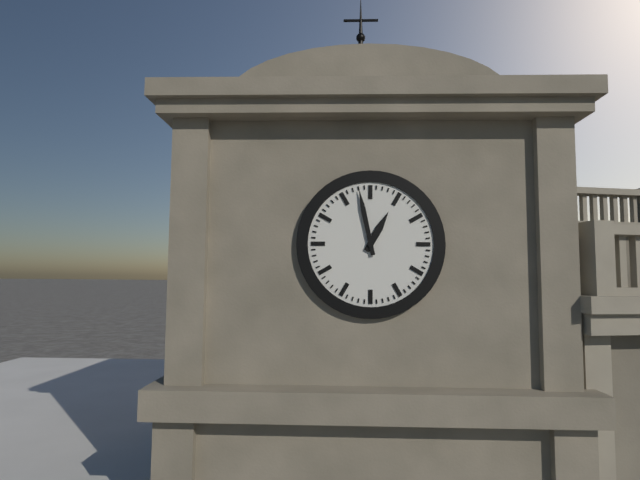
12:58
